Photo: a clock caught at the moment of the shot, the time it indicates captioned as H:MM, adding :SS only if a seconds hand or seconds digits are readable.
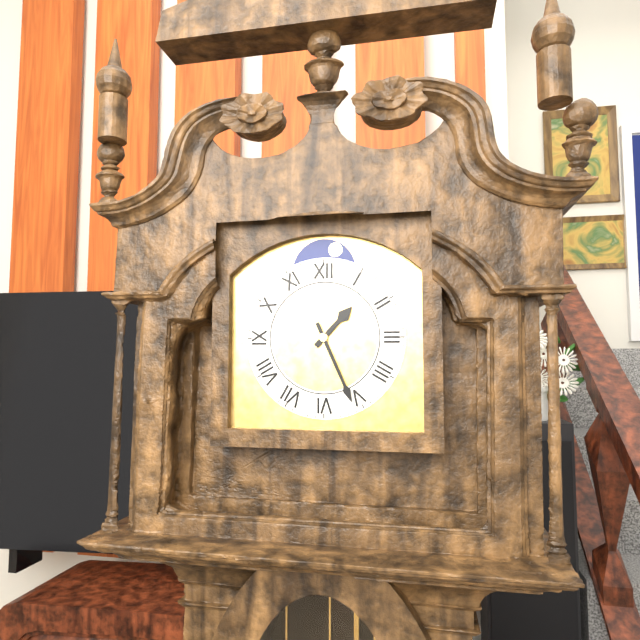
1:26
